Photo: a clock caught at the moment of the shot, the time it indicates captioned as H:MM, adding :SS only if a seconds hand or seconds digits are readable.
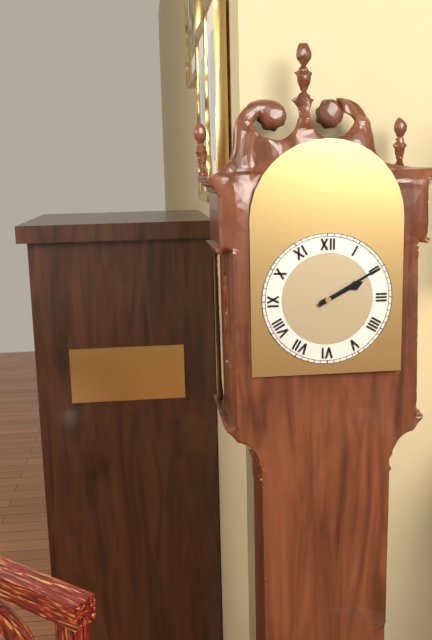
2:10
